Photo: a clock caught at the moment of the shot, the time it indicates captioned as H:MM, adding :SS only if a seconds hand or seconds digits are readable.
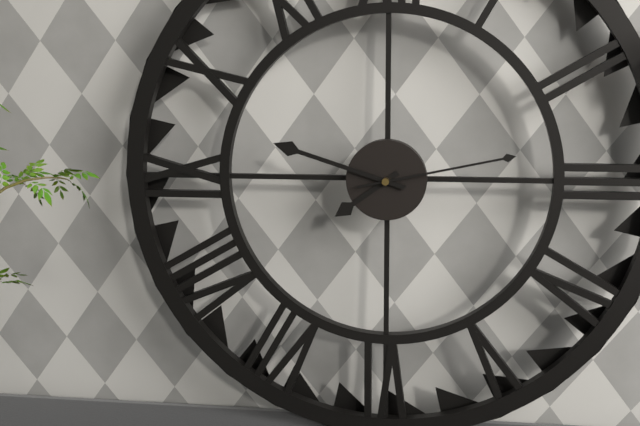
7:48:13
